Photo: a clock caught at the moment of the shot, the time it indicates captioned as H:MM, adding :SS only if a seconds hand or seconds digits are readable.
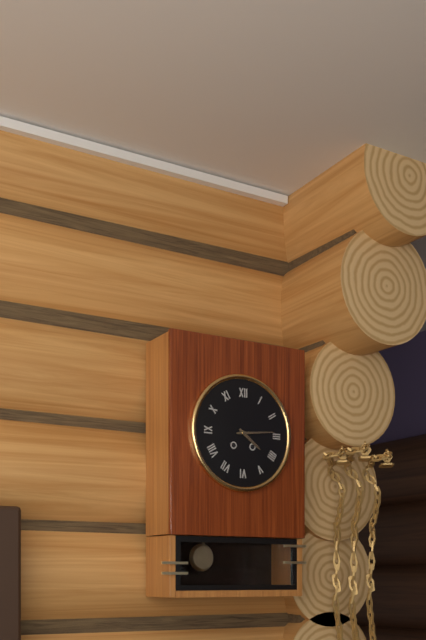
4:14
